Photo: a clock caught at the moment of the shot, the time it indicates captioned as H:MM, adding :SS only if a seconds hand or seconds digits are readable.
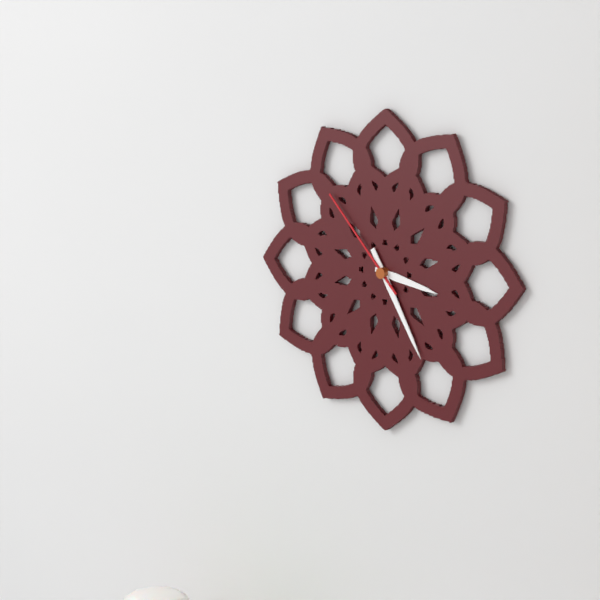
3:25:53
